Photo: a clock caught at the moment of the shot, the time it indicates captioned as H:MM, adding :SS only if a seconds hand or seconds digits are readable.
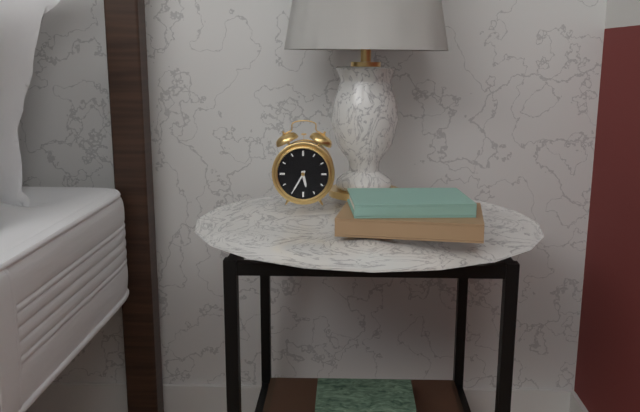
5:35
